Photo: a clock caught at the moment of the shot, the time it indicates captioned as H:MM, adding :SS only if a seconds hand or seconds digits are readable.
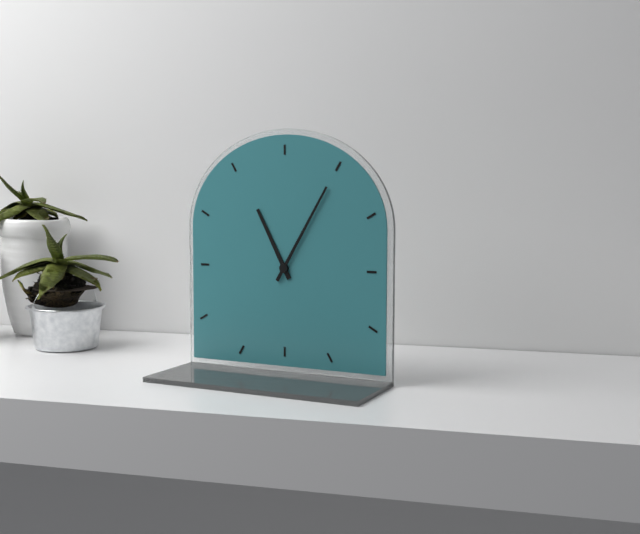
11:05
